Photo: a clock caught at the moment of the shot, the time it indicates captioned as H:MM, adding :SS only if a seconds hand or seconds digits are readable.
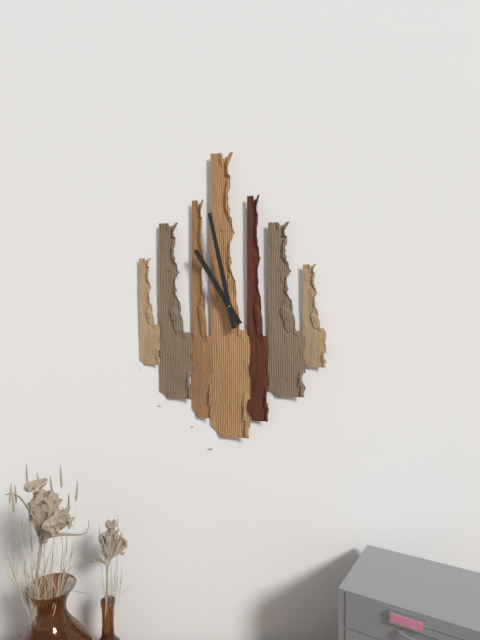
10:58
